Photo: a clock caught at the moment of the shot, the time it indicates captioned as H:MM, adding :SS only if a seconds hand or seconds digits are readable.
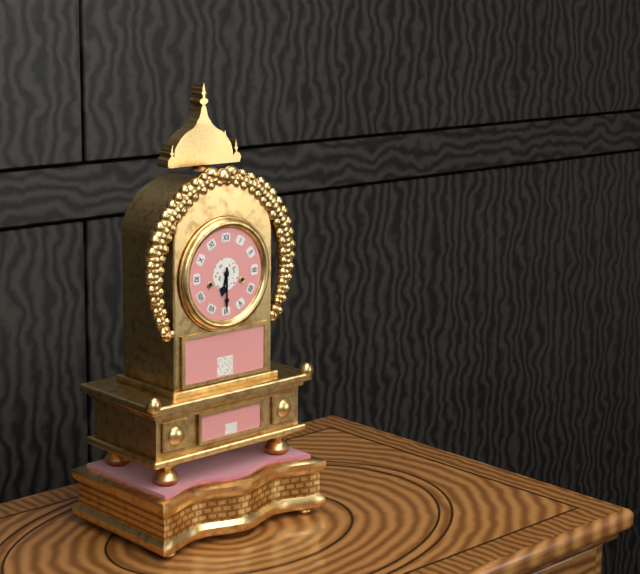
6:30
